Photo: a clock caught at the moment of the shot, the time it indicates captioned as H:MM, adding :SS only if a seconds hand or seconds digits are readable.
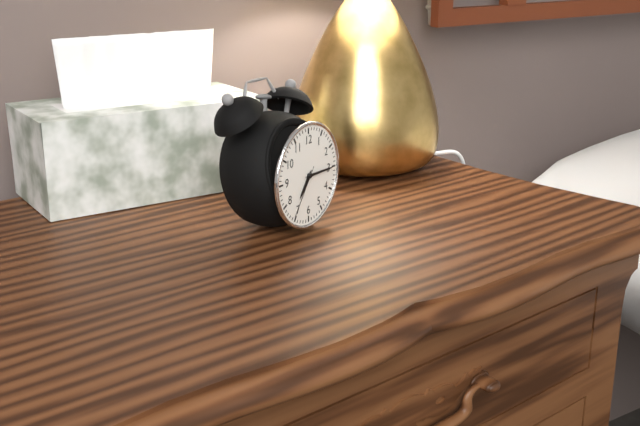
7:15:36
